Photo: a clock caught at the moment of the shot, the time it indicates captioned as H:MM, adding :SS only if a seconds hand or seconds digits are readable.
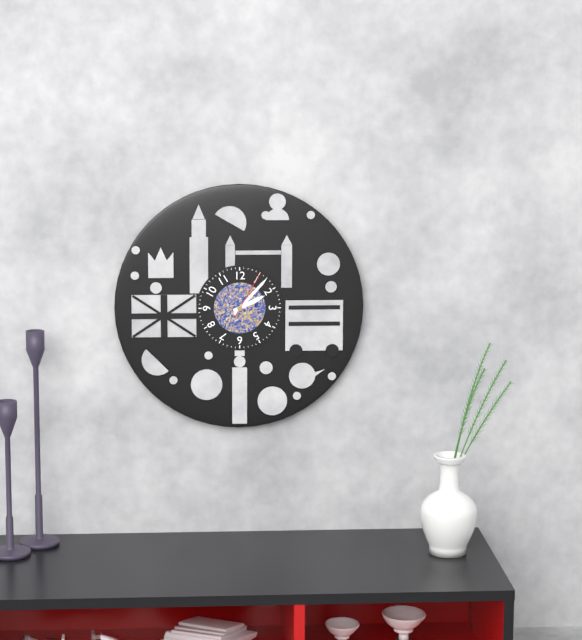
2:07:05
